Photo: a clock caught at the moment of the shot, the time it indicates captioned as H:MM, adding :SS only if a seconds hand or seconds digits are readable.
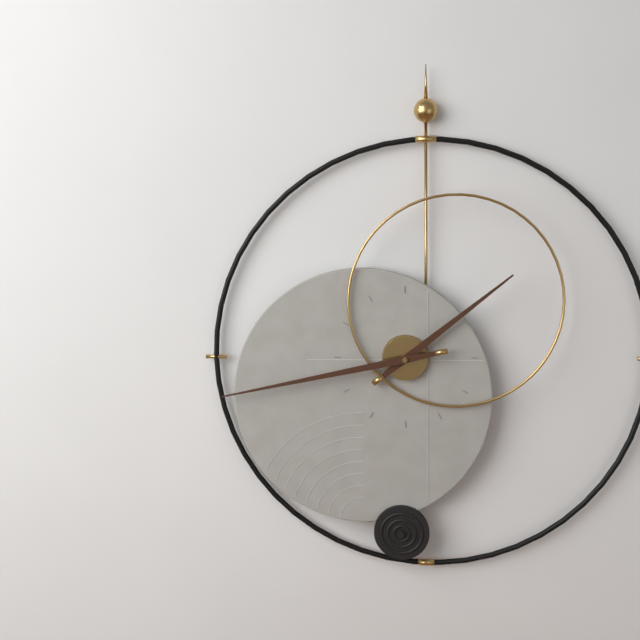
1:43
